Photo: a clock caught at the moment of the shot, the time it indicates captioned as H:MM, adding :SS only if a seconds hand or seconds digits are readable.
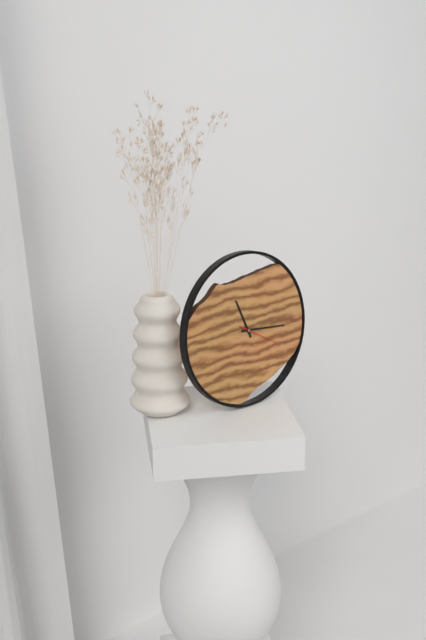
11:16
